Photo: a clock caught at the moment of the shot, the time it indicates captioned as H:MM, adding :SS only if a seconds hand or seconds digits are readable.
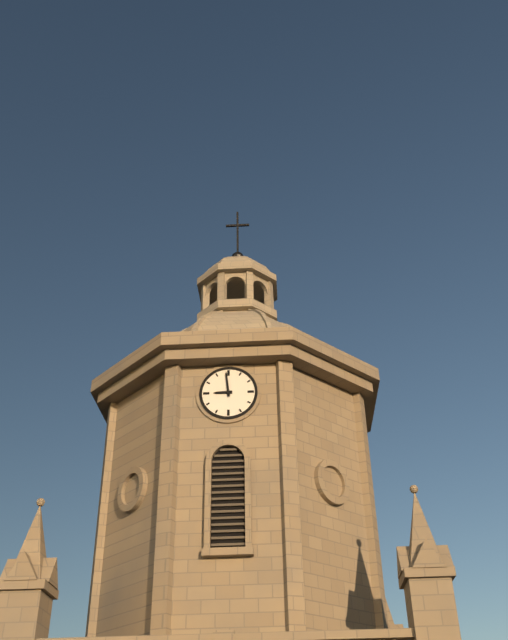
8:59
